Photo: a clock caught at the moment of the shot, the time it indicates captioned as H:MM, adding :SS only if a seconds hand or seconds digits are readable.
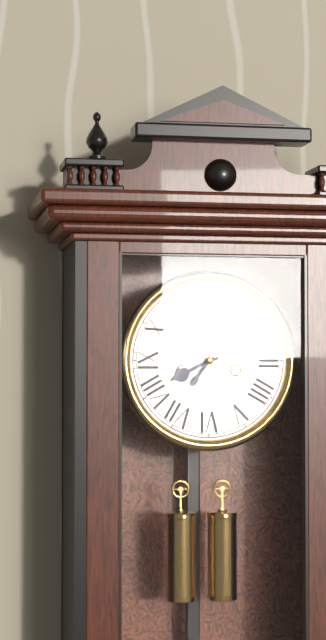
8:06
